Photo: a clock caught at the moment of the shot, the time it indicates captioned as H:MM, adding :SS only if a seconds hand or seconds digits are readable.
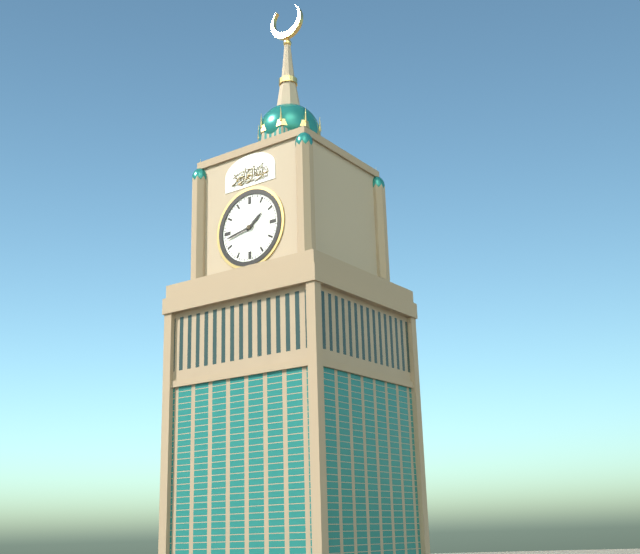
1:43
